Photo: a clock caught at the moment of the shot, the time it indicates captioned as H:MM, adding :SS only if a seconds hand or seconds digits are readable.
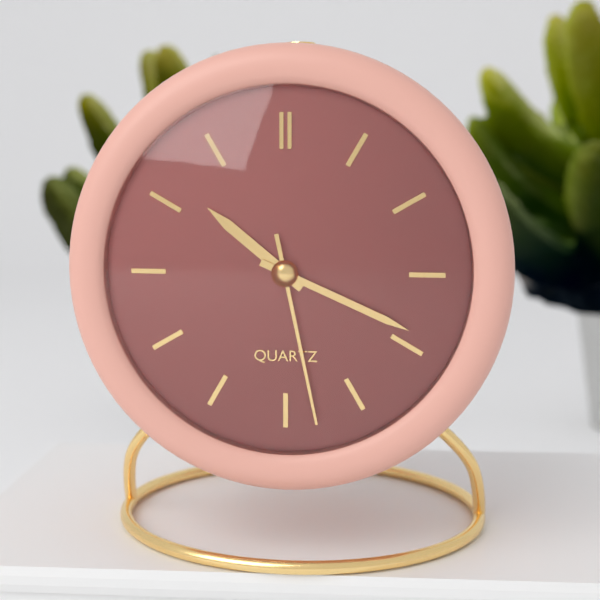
10:19:28
